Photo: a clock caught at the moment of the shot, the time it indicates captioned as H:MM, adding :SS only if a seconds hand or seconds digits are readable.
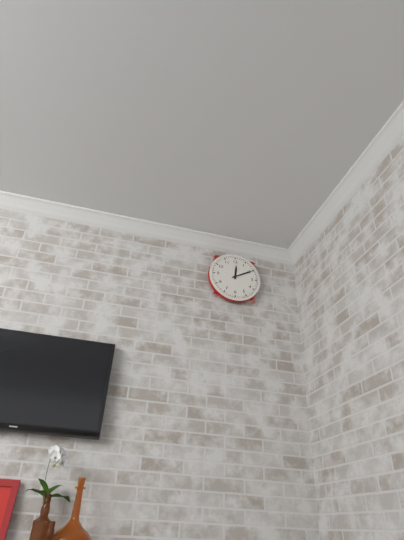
12:10
